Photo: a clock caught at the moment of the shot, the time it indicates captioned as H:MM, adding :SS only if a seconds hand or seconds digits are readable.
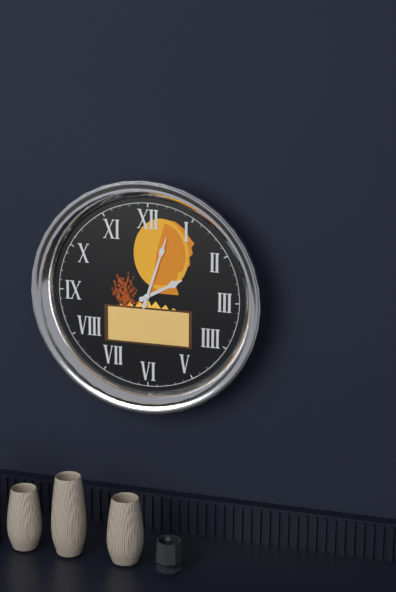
2:03
